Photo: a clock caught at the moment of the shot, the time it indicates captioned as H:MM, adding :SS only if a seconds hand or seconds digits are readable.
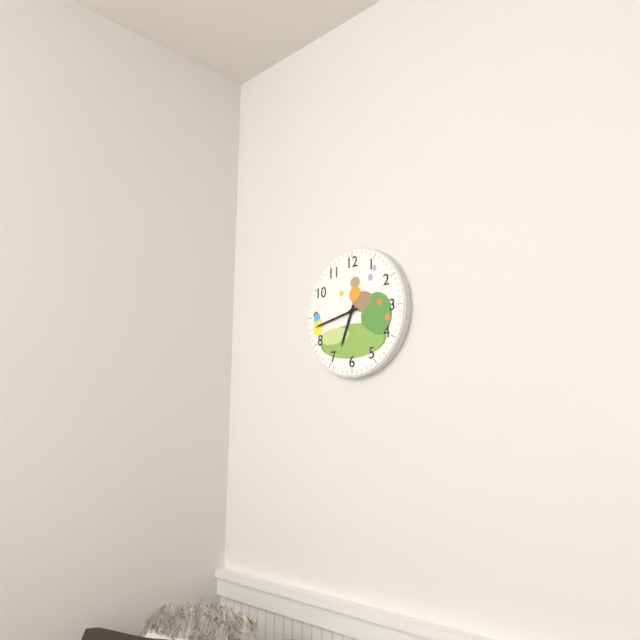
6:43
